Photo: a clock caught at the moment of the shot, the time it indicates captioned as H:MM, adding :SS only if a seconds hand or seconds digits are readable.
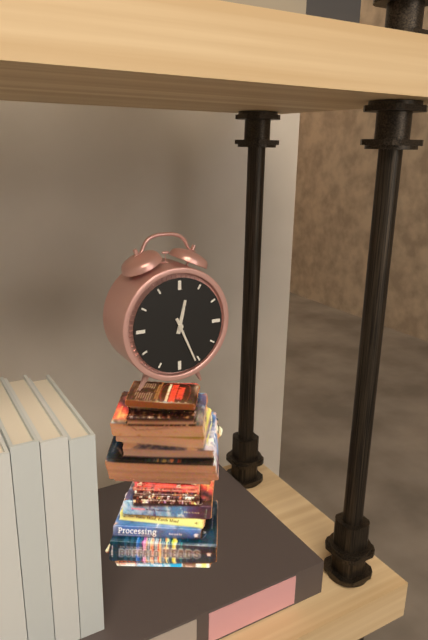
12:26
